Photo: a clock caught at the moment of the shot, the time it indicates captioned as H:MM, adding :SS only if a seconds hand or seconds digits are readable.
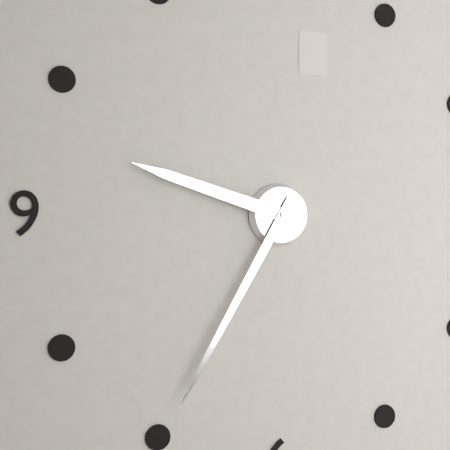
9:35
